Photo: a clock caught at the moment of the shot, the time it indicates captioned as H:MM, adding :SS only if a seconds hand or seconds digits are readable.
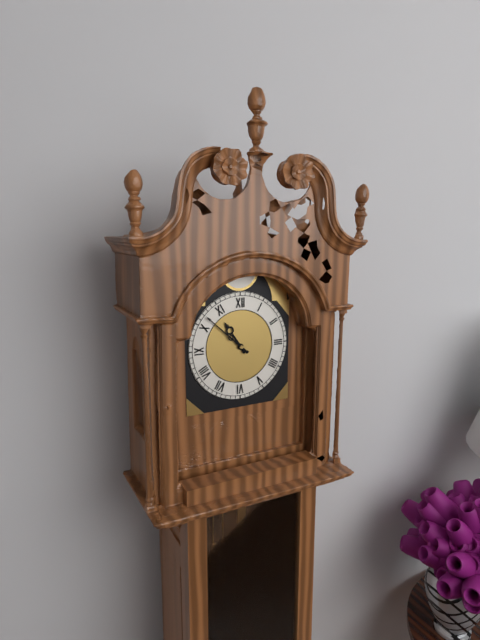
10:52
